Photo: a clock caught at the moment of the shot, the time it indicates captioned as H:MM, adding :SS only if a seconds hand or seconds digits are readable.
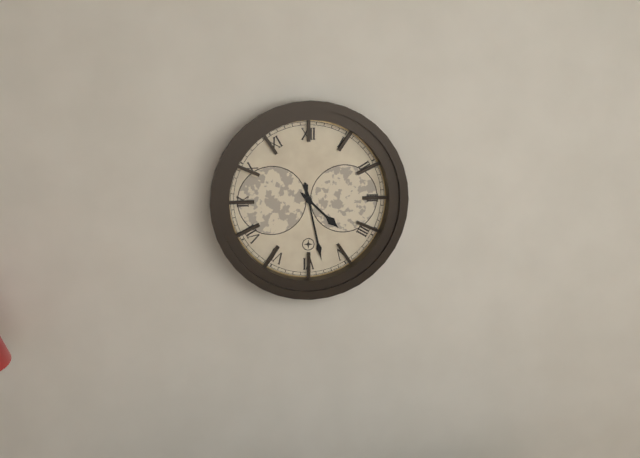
4:28
